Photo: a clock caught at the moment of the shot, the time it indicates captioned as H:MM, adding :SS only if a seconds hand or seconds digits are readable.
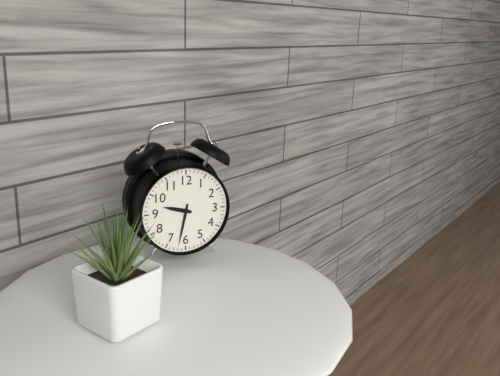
9:32
